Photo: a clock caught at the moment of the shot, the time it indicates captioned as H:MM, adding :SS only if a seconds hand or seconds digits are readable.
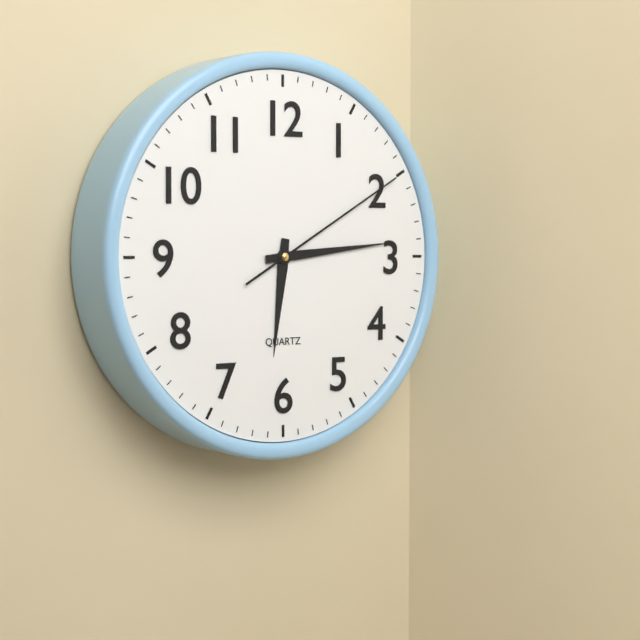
6:14:10
